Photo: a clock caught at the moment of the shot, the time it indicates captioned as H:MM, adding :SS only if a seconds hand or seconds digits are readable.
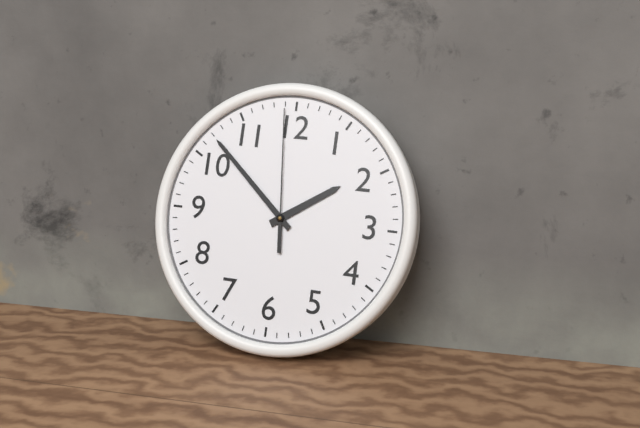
1:52:59
